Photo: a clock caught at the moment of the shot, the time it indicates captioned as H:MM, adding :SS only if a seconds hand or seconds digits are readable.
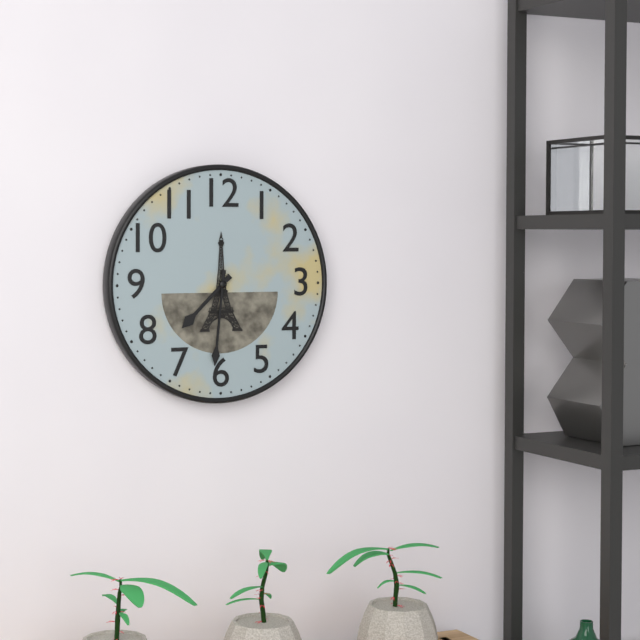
7:31
